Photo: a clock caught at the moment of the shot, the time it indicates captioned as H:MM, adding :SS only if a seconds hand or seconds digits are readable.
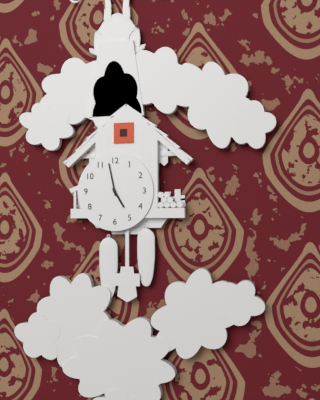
4:58
